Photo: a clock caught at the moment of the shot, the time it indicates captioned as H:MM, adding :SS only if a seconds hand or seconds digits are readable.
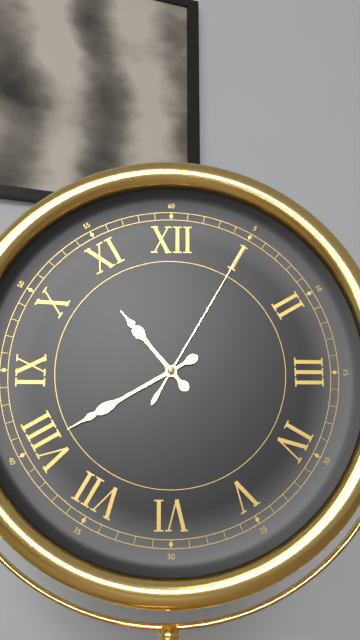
10:40:05
